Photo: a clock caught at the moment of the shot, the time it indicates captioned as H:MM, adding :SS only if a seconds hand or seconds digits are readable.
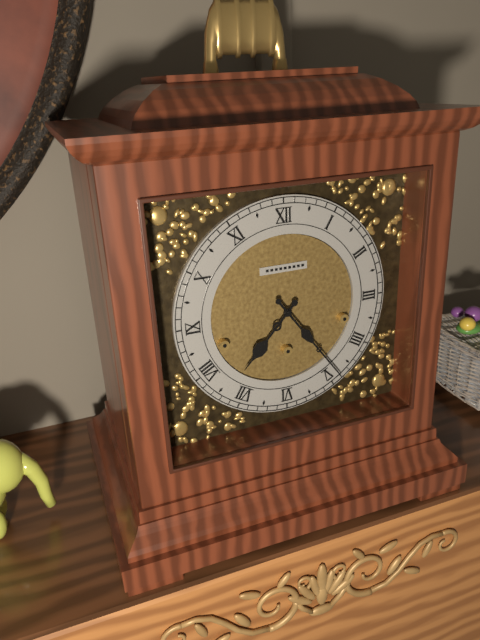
7:24
